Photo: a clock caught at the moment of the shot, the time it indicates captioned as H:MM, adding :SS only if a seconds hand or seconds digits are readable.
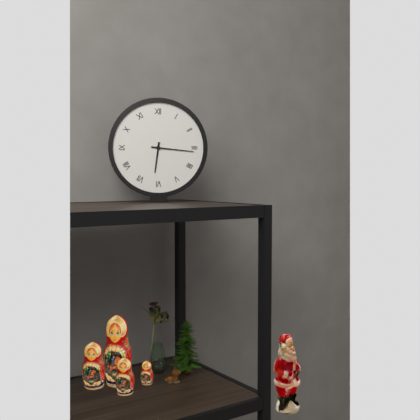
6:16
